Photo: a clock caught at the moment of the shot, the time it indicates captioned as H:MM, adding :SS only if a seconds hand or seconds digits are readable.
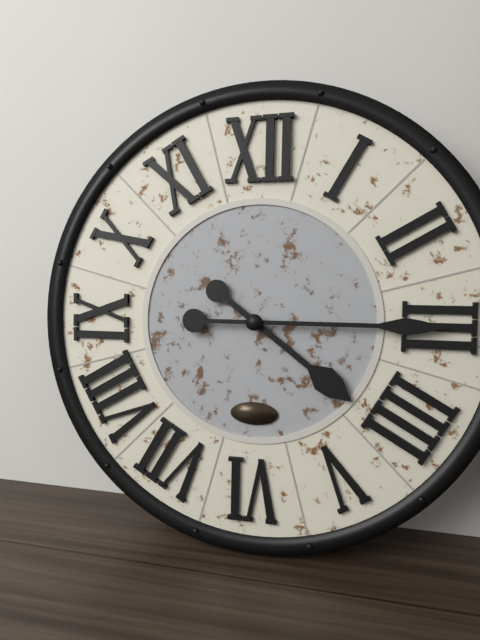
4:15
